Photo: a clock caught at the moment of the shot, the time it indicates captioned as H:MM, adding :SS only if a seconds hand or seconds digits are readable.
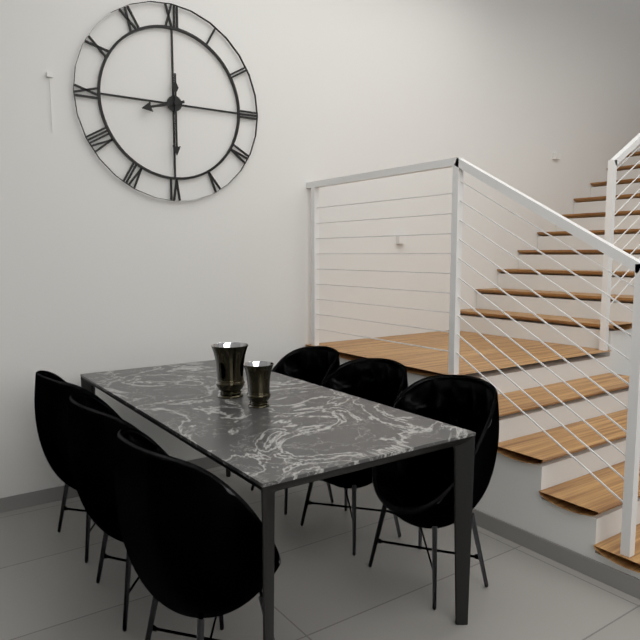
8:30
